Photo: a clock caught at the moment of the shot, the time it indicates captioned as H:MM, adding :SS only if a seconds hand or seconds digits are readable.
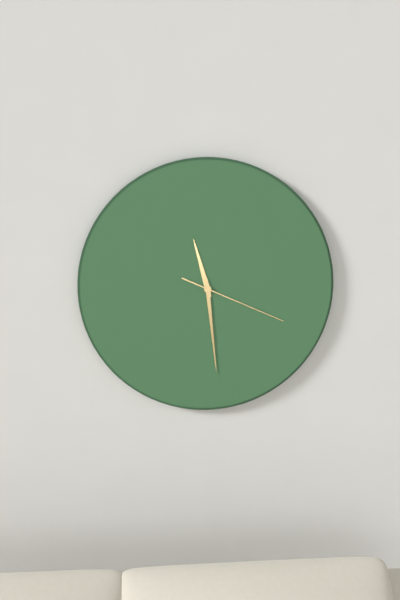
11:29:19
